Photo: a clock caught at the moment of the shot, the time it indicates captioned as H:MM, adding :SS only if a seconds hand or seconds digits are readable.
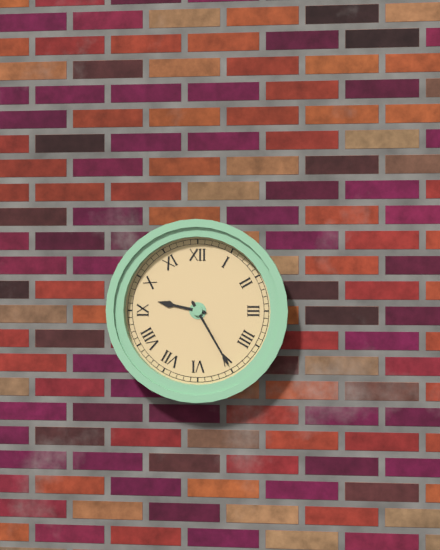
9:25
